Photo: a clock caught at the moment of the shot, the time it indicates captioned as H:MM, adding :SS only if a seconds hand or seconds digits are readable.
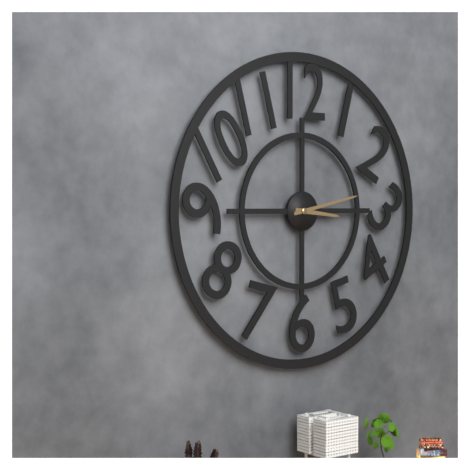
3:13
